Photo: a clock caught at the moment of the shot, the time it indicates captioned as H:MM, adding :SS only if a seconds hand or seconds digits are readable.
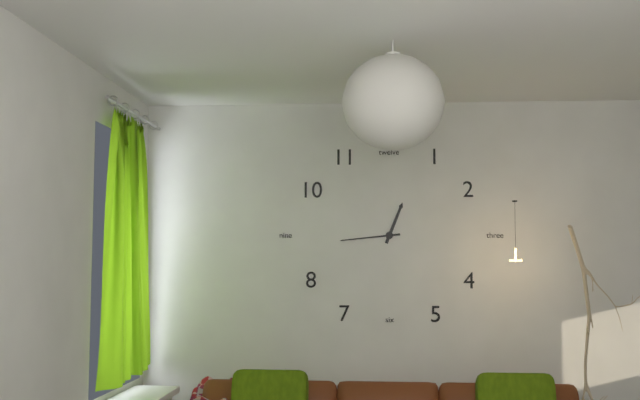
12:44
